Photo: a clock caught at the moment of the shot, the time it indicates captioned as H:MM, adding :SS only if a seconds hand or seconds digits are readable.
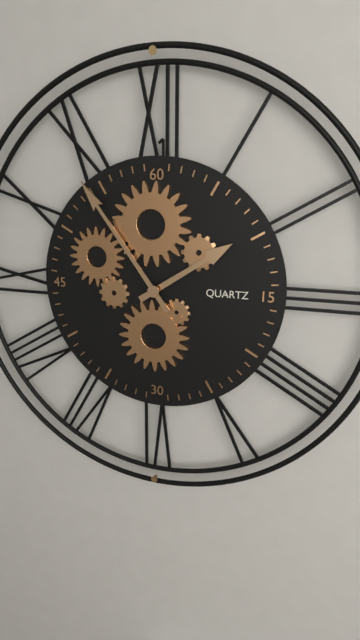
1:54
